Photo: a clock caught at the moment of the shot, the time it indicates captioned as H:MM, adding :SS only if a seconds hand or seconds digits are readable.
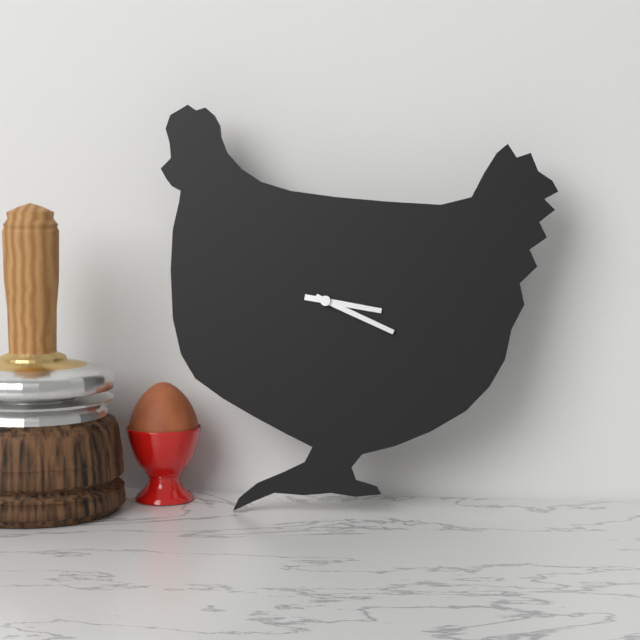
3:19
